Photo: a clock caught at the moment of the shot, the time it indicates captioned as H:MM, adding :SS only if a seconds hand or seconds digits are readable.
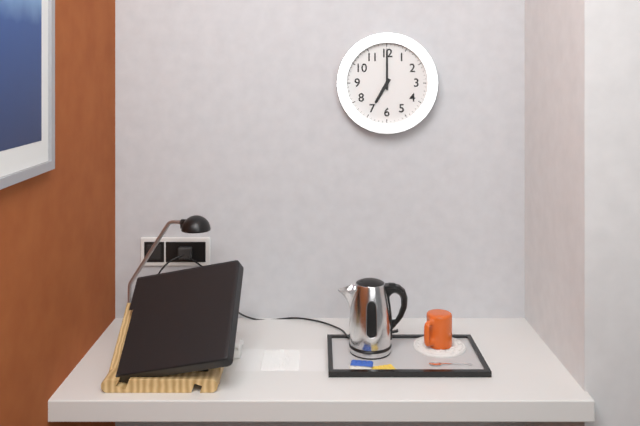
7:00
